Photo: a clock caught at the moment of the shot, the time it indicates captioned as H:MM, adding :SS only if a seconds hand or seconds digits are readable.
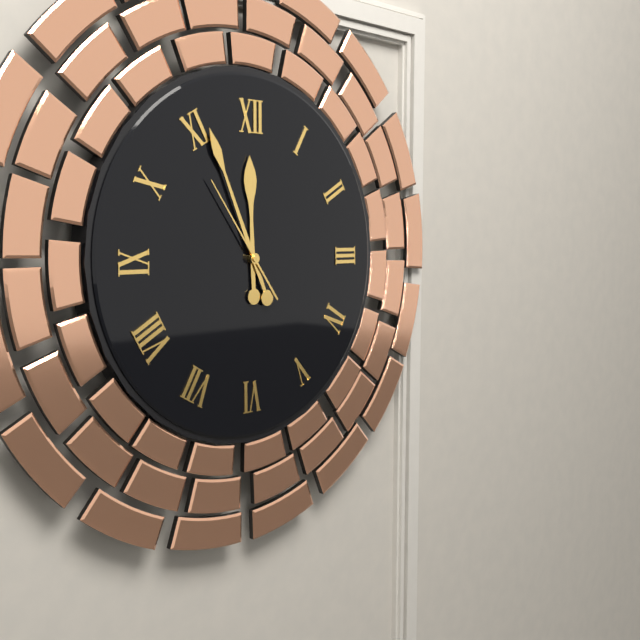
11:56:54
